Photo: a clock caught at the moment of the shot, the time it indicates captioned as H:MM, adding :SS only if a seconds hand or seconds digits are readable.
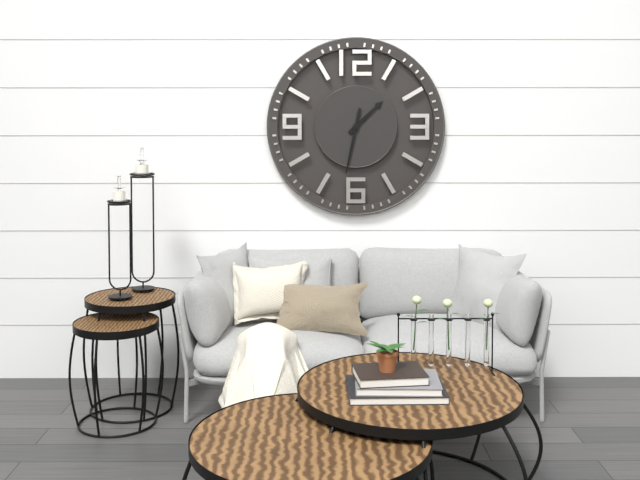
1:32
